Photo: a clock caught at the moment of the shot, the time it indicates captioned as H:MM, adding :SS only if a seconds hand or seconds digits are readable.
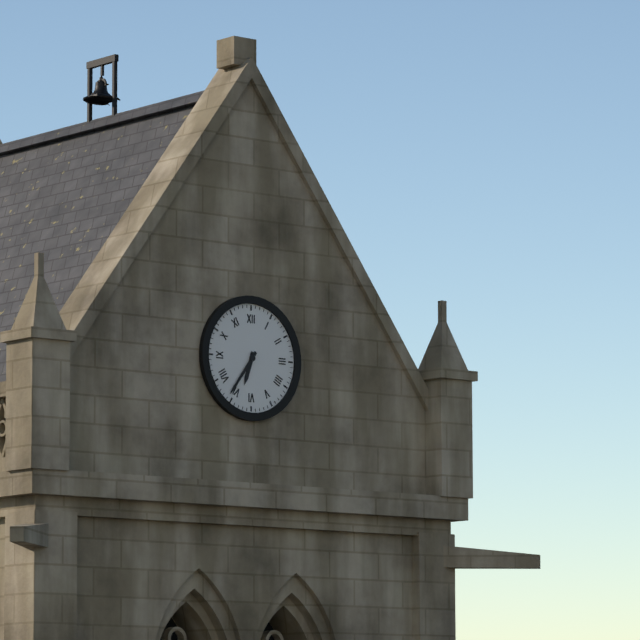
6:36
